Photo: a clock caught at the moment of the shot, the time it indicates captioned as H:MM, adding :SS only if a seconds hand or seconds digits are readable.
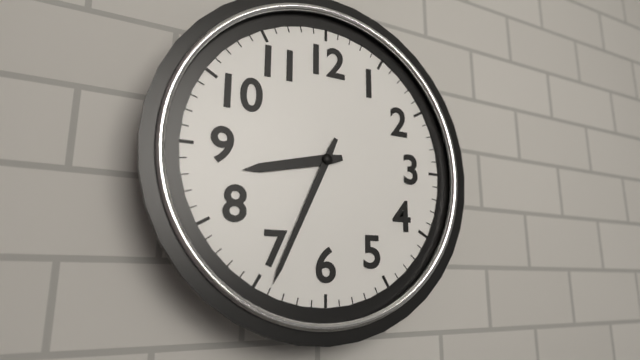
8:34
